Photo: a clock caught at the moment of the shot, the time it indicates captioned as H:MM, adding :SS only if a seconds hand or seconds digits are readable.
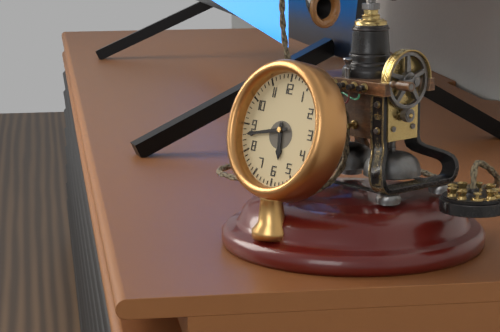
5:43
